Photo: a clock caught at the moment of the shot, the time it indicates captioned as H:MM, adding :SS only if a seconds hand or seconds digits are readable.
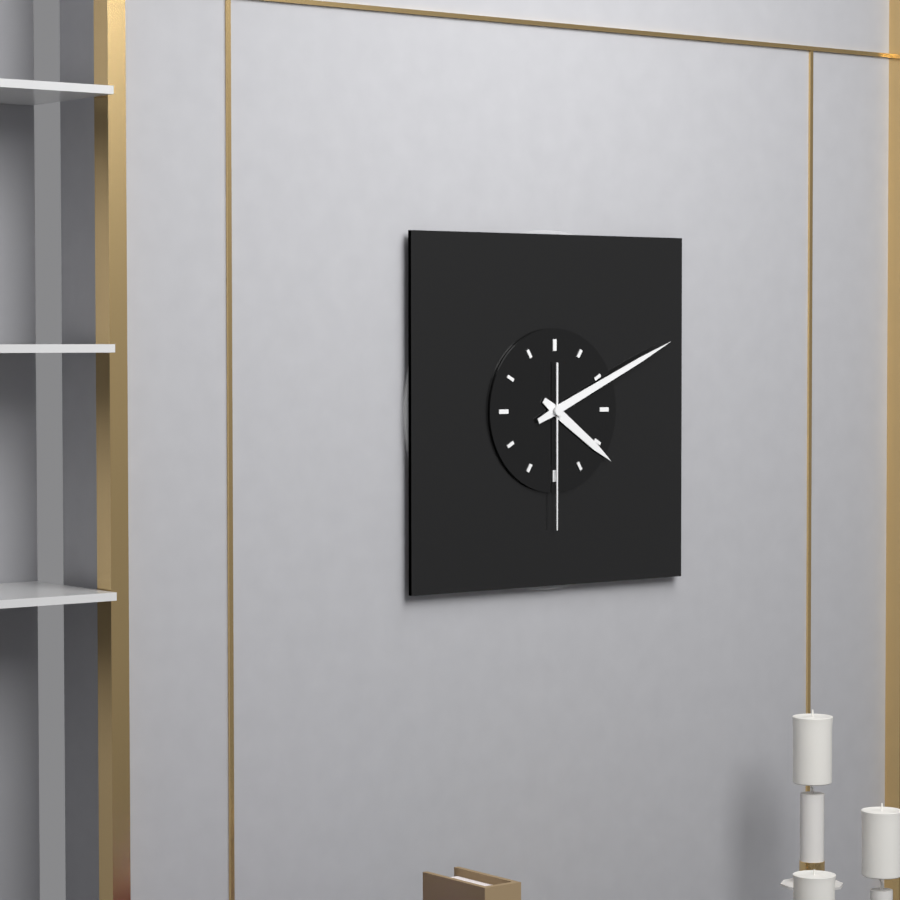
4:11:30
